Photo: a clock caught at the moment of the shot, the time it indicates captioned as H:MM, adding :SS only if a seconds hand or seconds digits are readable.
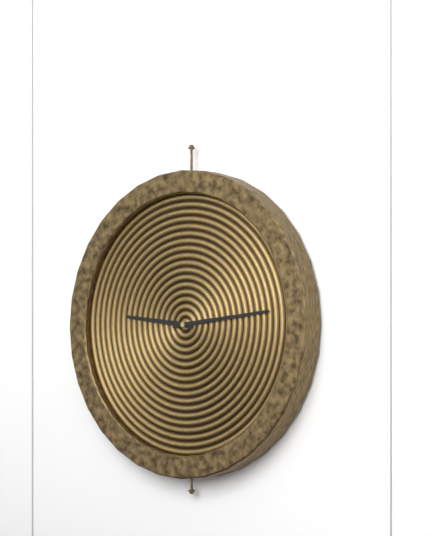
9:14
